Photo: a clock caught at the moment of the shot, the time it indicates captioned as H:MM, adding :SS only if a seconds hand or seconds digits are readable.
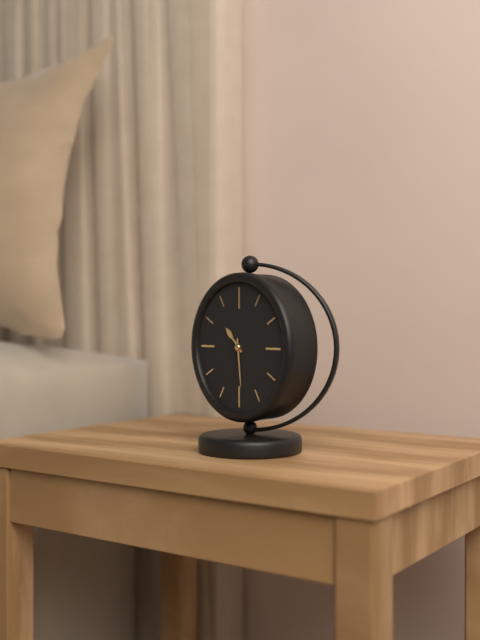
10:29
